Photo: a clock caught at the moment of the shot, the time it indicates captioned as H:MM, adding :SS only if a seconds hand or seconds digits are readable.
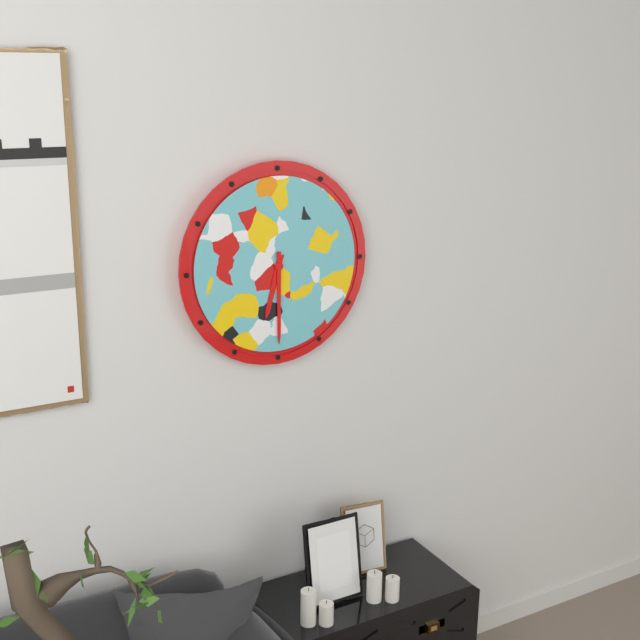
6:30
